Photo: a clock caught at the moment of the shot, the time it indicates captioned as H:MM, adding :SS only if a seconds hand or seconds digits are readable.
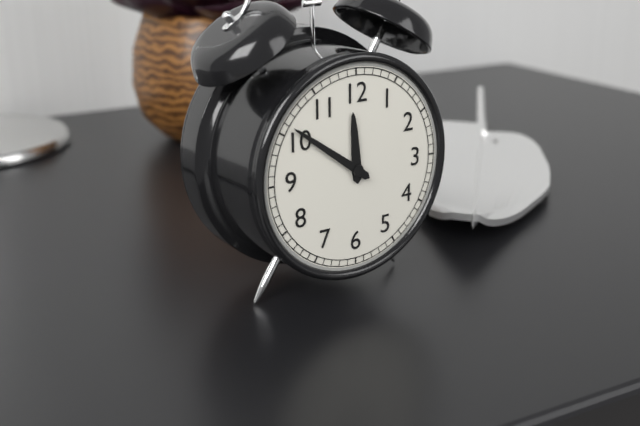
11:51
